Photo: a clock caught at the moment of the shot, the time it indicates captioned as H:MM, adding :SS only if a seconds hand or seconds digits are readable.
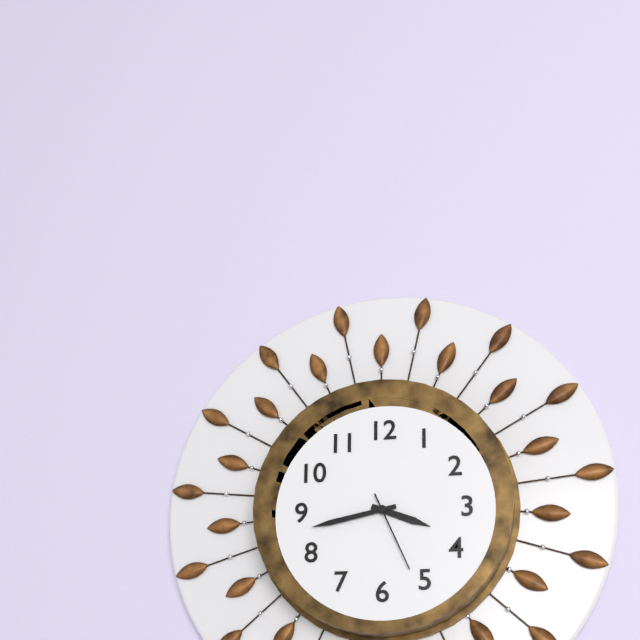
3:43:26
